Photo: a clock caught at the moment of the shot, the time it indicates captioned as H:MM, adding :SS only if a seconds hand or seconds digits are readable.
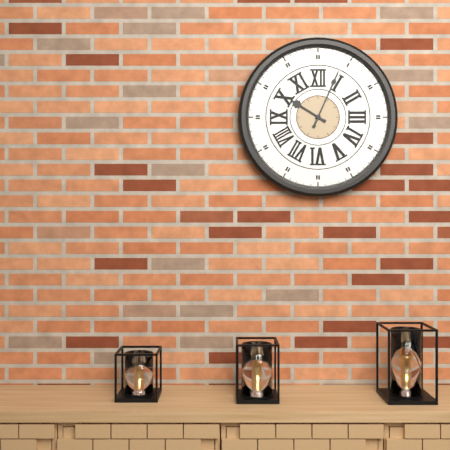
10:04
